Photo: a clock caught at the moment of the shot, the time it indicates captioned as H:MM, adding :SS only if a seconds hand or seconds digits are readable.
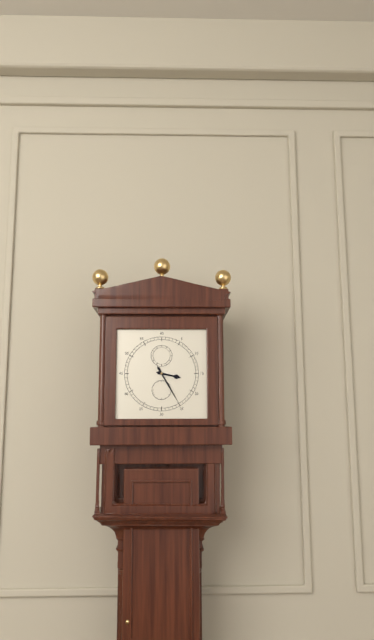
3:25
